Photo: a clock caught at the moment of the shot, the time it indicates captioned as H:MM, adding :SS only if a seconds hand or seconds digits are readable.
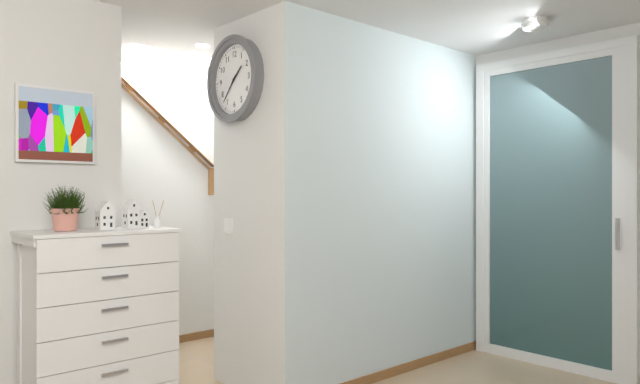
1:37
